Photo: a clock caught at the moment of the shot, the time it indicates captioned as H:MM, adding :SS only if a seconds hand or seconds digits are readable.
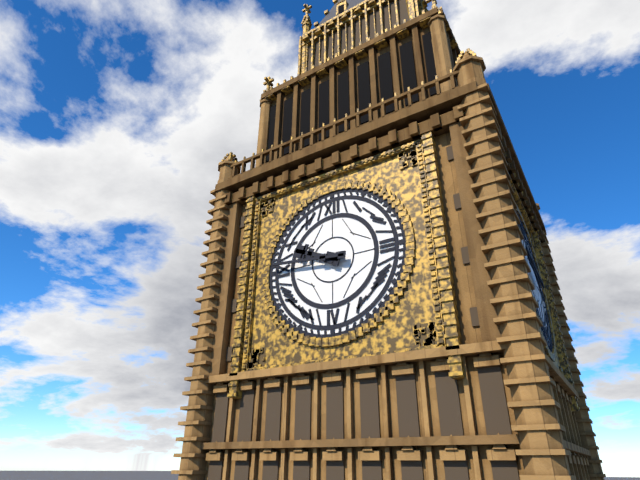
9:46
